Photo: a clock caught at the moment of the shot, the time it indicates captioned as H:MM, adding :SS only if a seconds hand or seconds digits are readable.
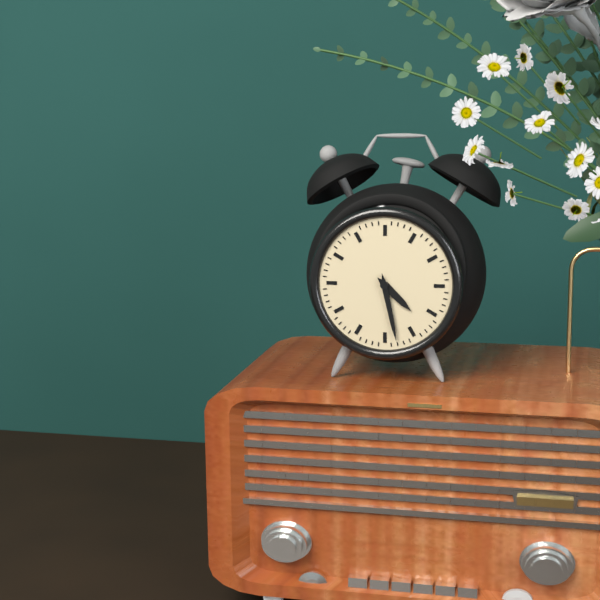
4:28
